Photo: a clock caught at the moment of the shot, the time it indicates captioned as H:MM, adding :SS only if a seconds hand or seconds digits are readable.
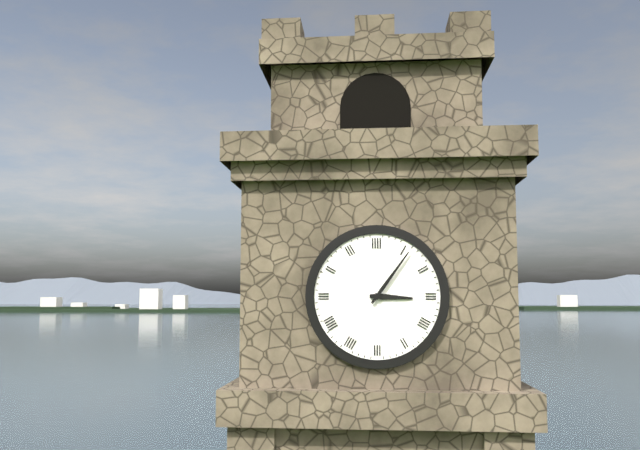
3:06
